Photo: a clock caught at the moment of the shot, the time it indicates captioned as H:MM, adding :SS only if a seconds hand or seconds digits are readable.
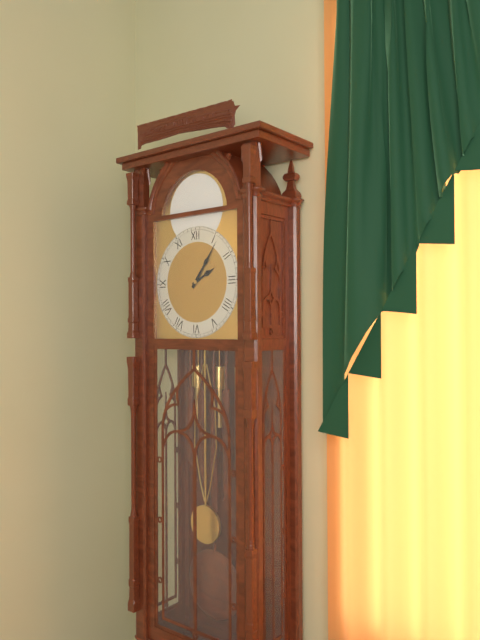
2:06
